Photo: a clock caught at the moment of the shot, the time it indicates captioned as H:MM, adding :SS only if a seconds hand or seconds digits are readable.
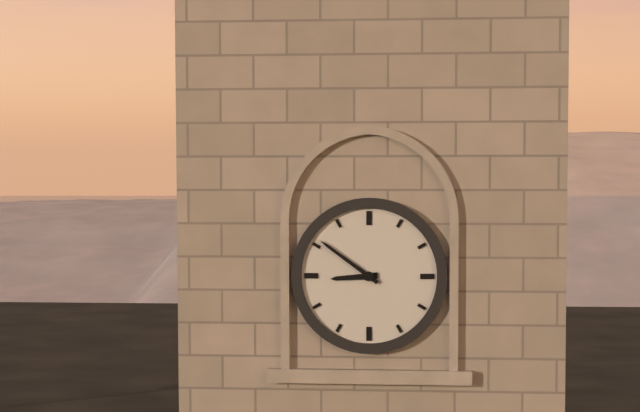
8:51
